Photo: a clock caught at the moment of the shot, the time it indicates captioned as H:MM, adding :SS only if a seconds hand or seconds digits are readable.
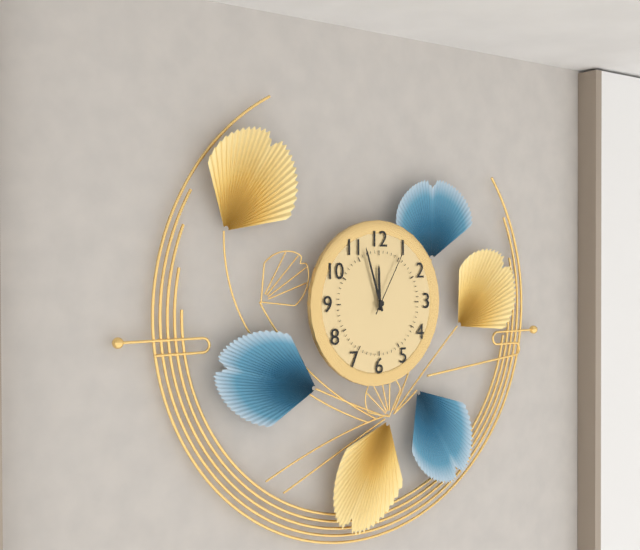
11:57:05
